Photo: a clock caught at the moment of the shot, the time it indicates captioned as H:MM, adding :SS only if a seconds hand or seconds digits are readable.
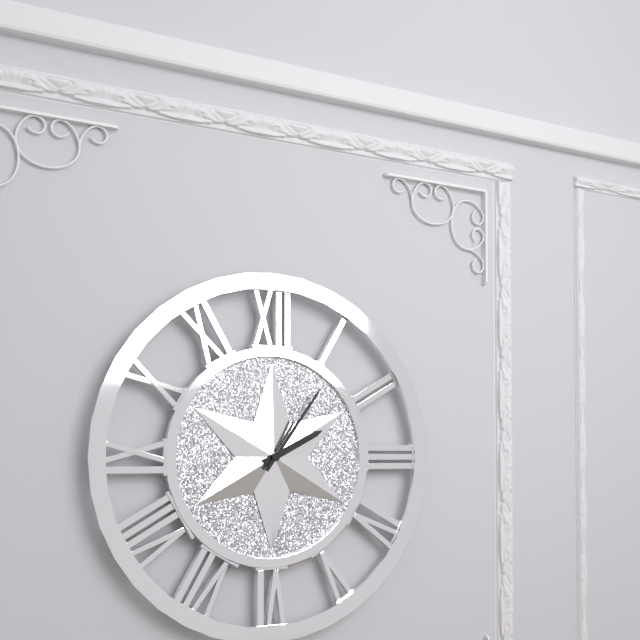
2:06
